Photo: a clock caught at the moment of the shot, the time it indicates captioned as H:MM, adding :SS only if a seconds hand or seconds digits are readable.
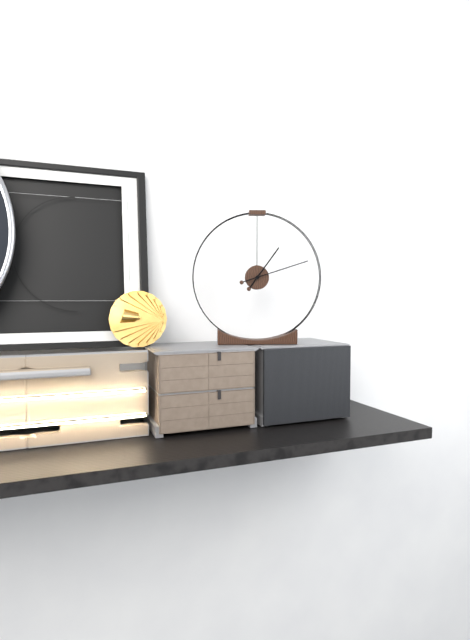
1:12
